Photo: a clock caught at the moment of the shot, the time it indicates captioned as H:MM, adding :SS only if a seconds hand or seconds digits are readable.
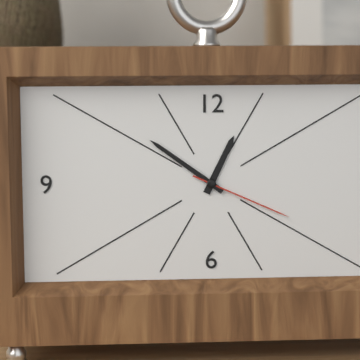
12:51:19
